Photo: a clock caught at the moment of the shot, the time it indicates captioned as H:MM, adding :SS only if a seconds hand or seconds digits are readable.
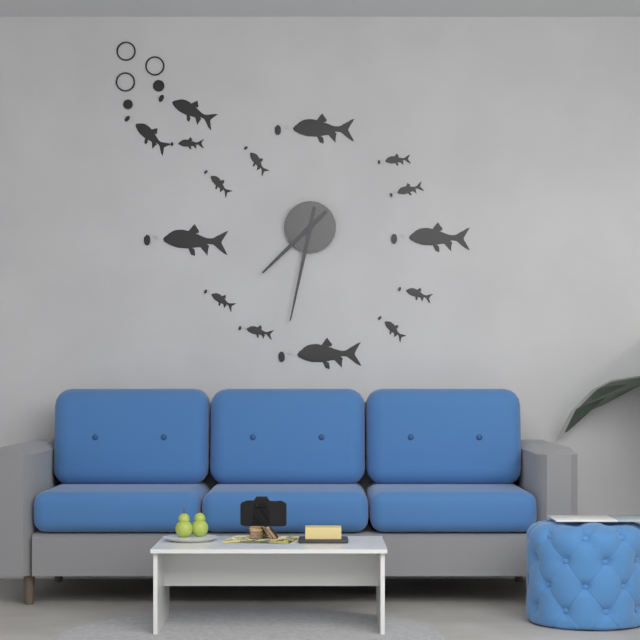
7:32
